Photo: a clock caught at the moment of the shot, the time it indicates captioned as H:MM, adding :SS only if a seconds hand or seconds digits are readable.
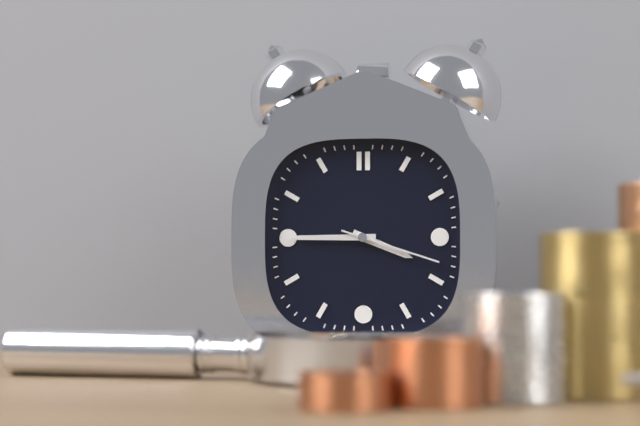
3:45:18
